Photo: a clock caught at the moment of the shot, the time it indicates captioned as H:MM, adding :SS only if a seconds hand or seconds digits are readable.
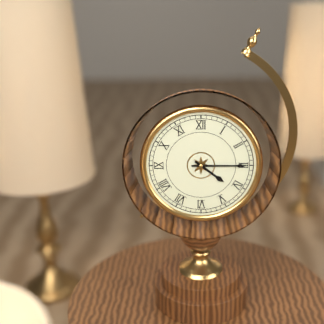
4:15
